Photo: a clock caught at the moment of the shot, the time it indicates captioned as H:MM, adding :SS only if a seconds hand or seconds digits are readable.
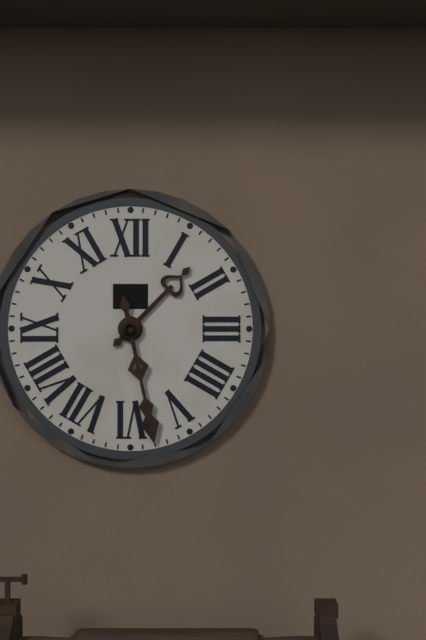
1:28
